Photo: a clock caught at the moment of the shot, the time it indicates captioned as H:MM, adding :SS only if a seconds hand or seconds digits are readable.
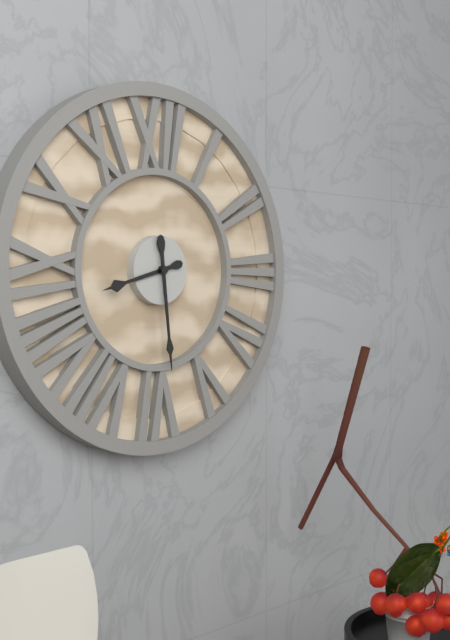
8:29
